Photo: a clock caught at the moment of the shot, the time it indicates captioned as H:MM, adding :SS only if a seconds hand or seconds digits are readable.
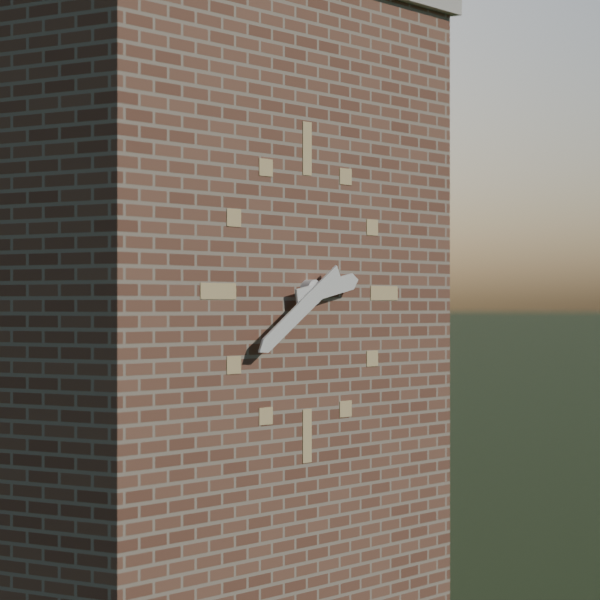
2:40
